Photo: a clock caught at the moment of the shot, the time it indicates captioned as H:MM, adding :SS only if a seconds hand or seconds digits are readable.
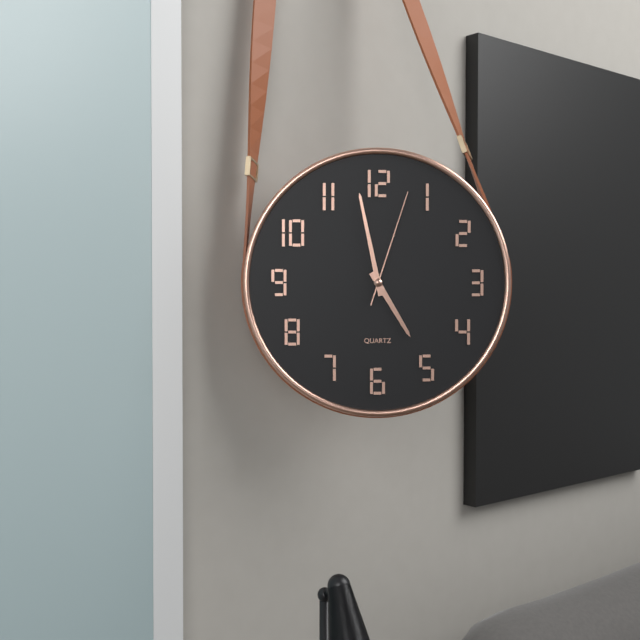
4:58:03
